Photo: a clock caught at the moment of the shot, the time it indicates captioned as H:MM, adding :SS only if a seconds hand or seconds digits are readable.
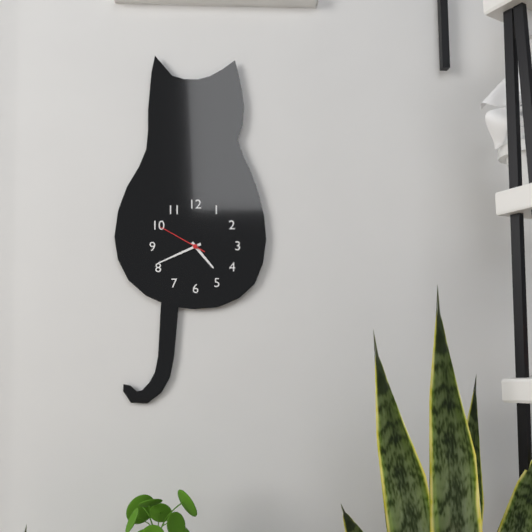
4:41:50
